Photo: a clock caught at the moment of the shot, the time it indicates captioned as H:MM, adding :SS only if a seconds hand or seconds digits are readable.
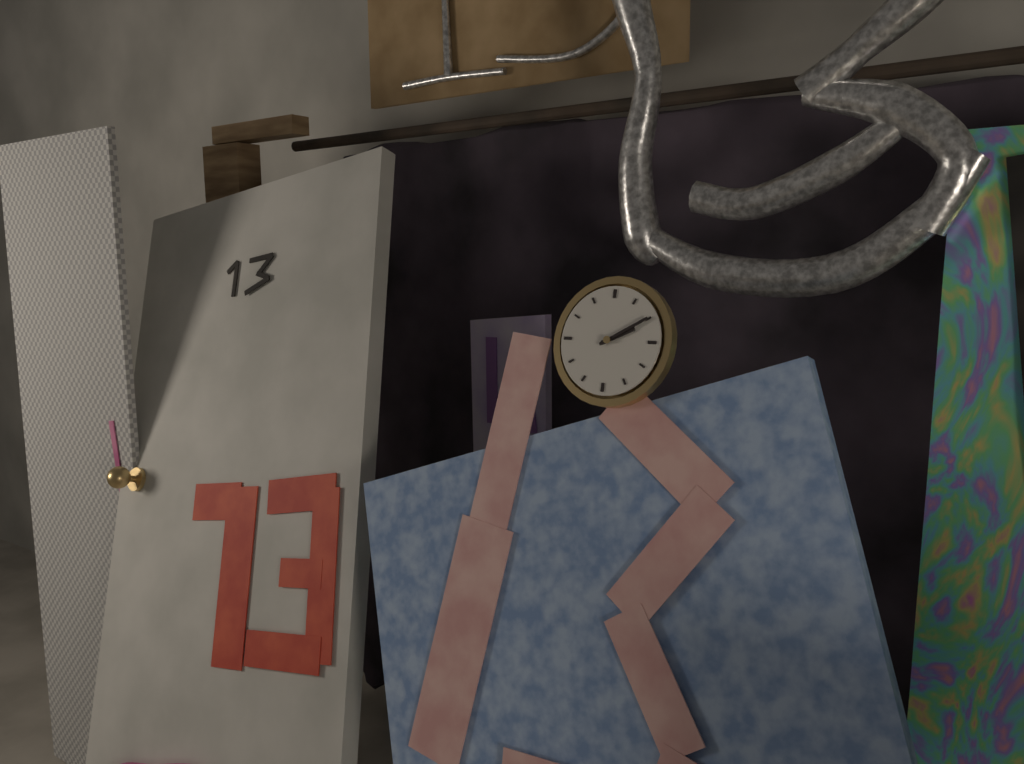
2:10
